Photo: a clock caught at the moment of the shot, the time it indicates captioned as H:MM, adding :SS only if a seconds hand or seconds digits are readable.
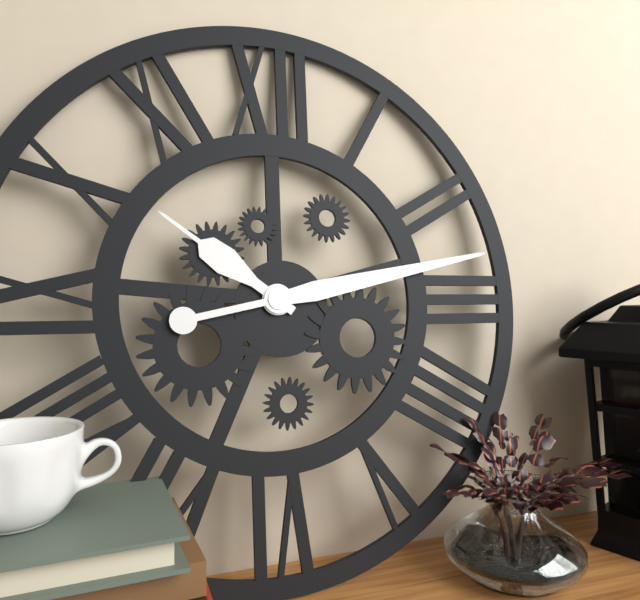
10:13
